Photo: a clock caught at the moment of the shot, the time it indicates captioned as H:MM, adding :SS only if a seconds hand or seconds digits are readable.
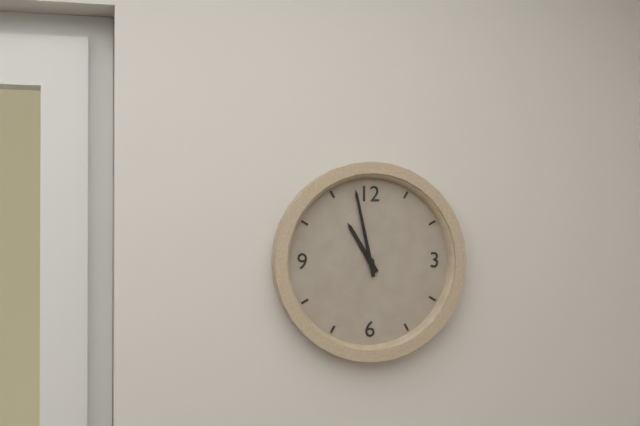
10:58
